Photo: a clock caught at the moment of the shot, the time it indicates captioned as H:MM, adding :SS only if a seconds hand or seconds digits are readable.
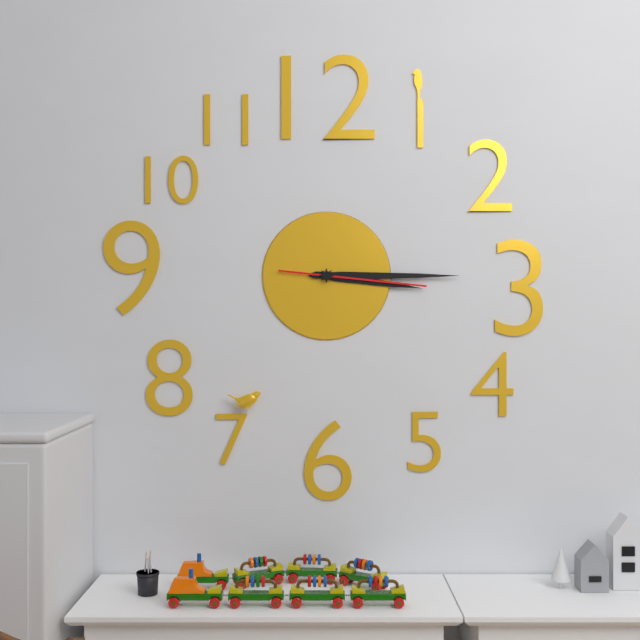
3:15:16
